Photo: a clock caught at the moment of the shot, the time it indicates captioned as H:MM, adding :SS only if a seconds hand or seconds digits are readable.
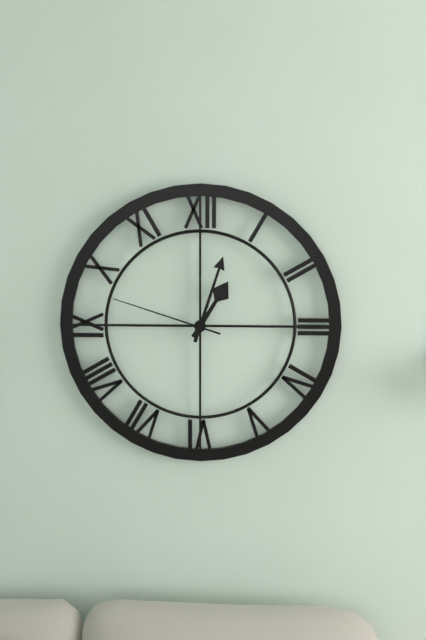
1:03:48
